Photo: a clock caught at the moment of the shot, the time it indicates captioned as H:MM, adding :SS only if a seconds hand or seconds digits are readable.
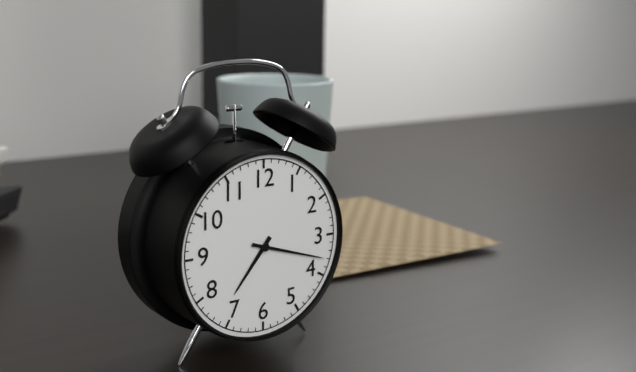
7:18
